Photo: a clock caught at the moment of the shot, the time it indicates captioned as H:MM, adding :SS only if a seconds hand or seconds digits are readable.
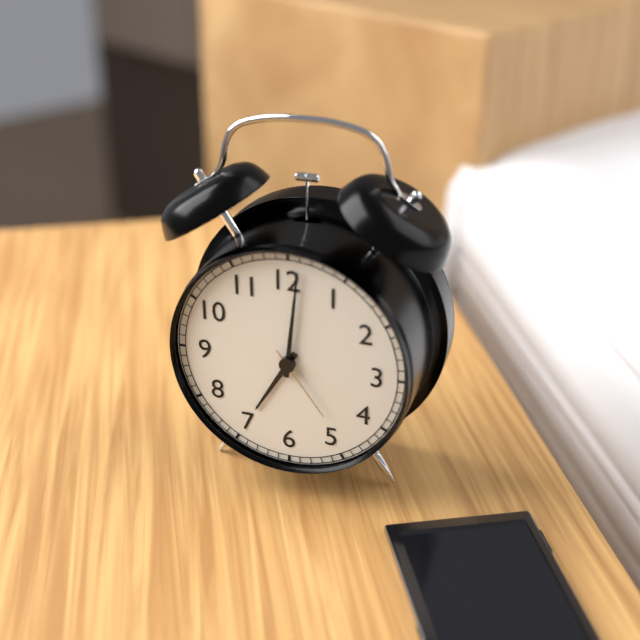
7:01:24
